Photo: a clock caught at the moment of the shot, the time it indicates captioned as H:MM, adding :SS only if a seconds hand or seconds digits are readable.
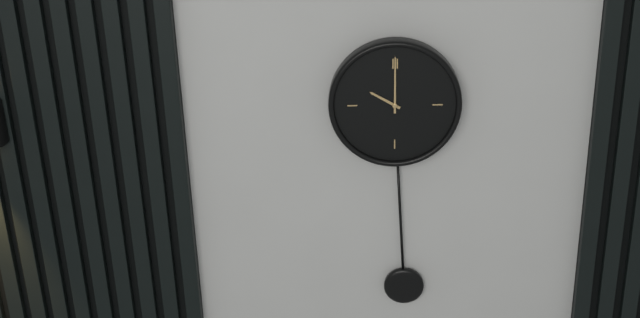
10:00
